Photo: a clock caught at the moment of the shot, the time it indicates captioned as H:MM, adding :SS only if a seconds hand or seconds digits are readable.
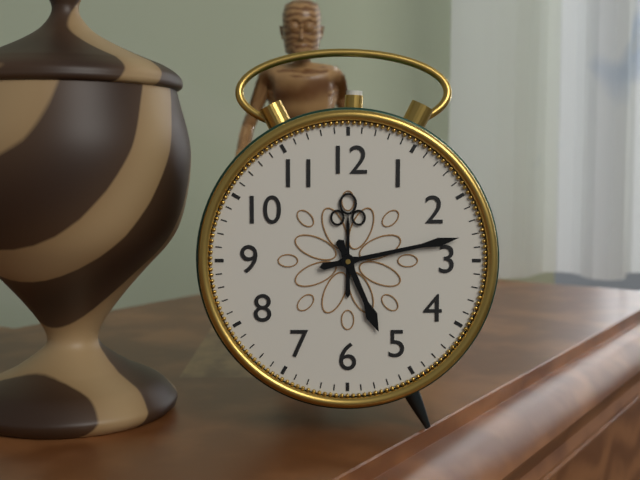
5:13
